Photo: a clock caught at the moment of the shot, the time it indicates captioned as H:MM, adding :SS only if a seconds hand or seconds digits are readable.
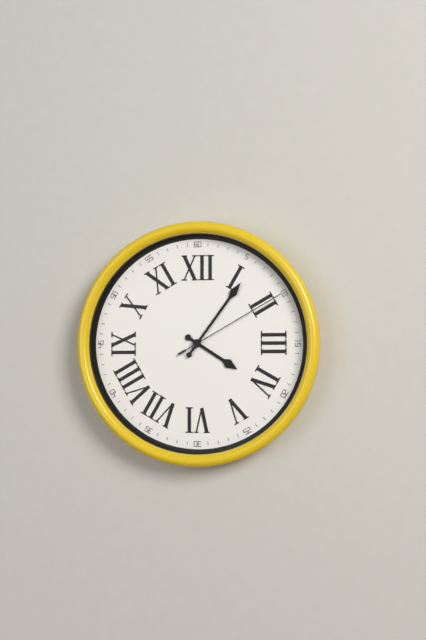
4:06:10
